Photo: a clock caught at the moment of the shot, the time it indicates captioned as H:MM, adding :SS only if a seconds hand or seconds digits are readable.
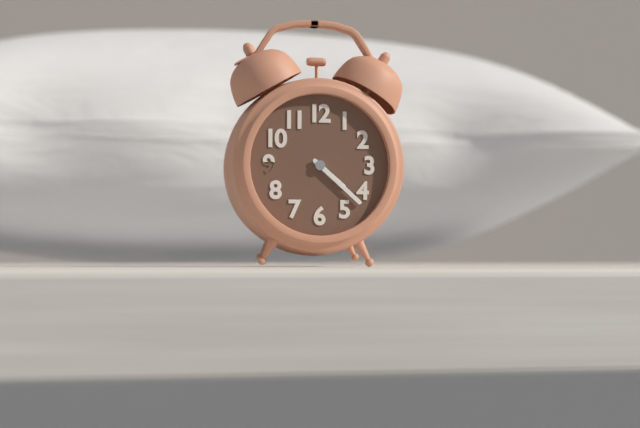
4:22
